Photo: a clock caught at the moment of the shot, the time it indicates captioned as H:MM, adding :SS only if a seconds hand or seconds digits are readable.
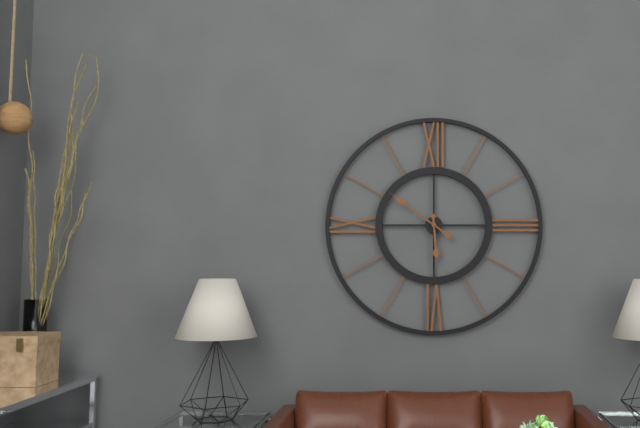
5:51
